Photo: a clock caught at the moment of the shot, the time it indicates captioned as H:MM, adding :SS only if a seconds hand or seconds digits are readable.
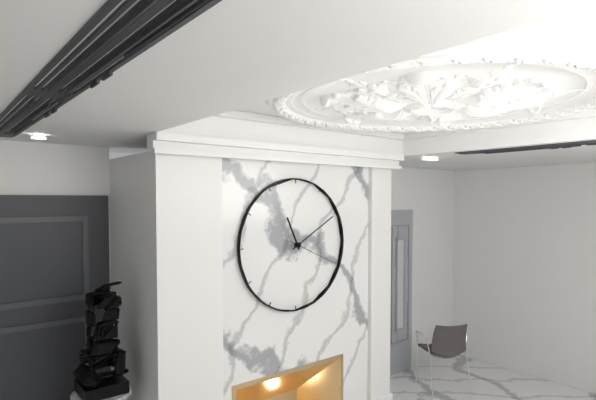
11:10:19
